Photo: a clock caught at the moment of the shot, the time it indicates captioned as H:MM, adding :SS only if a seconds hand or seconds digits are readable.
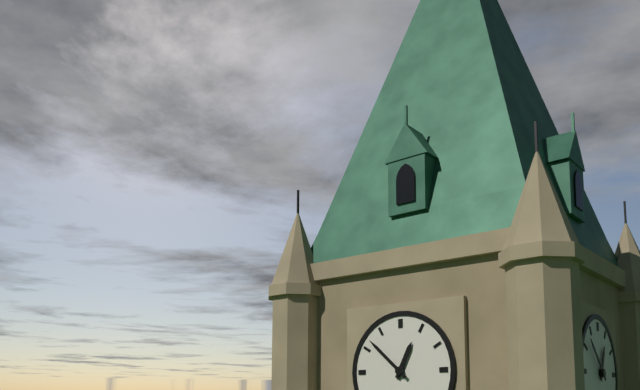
12:52
